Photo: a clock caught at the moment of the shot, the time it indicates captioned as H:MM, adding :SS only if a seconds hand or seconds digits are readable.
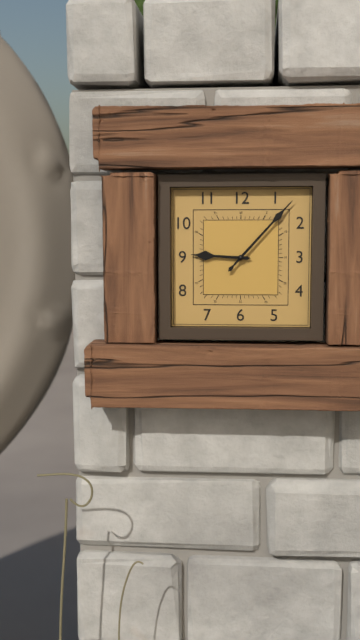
9:07
